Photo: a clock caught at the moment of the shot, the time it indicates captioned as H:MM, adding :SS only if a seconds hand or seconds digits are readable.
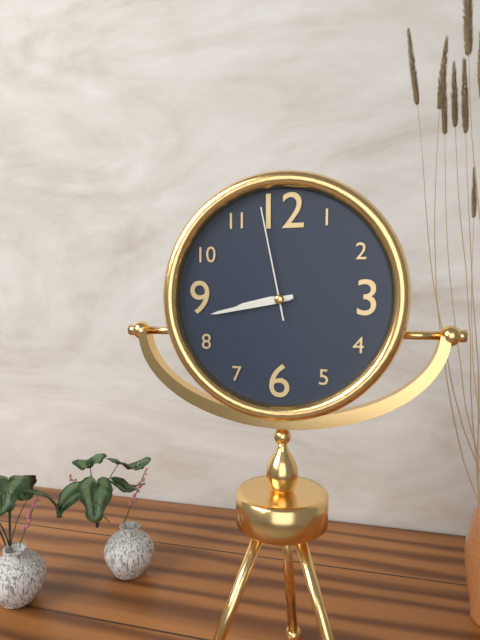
8:43:58
